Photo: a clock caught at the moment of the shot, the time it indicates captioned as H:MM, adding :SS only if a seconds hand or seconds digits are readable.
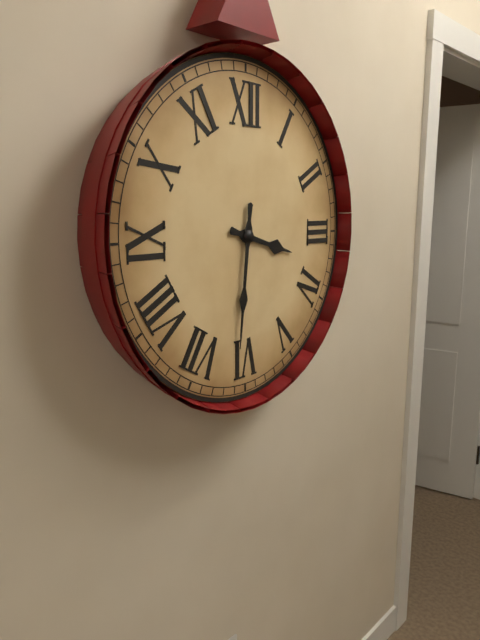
3:31
